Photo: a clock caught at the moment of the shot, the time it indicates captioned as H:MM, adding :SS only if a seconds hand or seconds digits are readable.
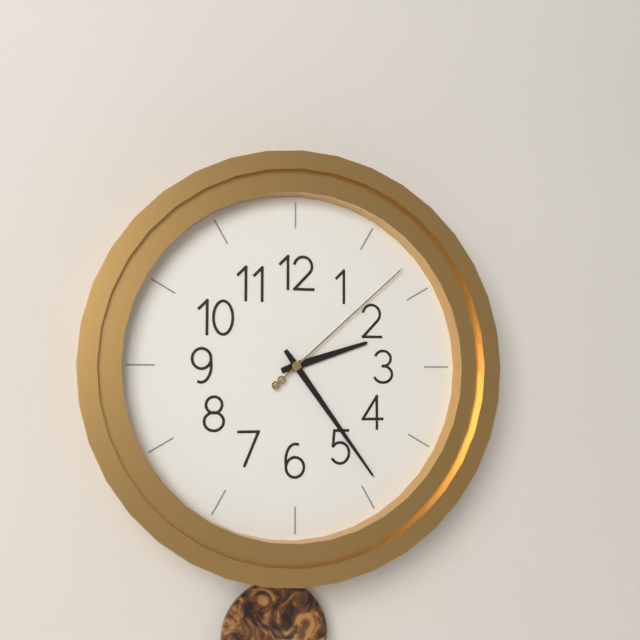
2:24:08
